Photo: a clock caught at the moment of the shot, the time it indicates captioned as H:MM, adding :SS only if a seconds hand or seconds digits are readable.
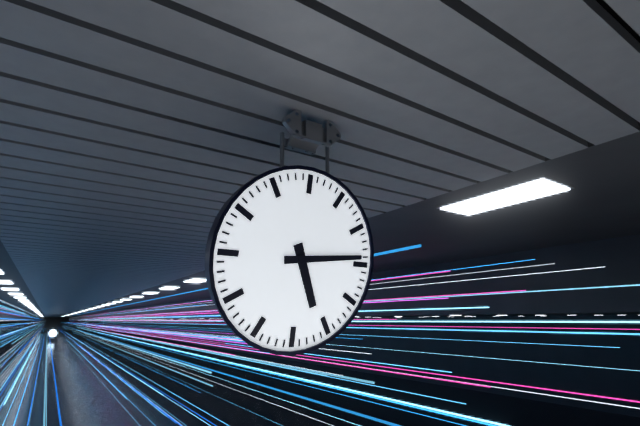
5:14
